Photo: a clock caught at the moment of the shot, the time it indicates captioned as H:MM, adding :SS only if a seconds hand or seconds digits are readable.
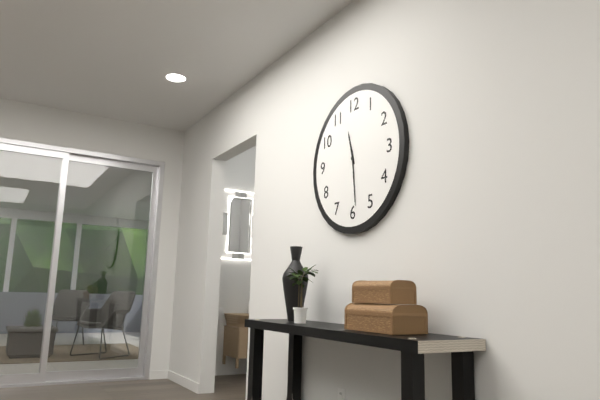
11:29
